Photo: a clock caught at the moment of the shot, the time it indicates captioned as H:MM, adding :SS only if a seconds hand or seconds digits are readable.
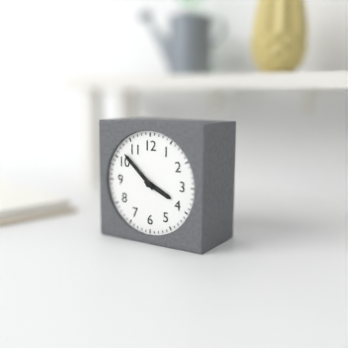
3:52
